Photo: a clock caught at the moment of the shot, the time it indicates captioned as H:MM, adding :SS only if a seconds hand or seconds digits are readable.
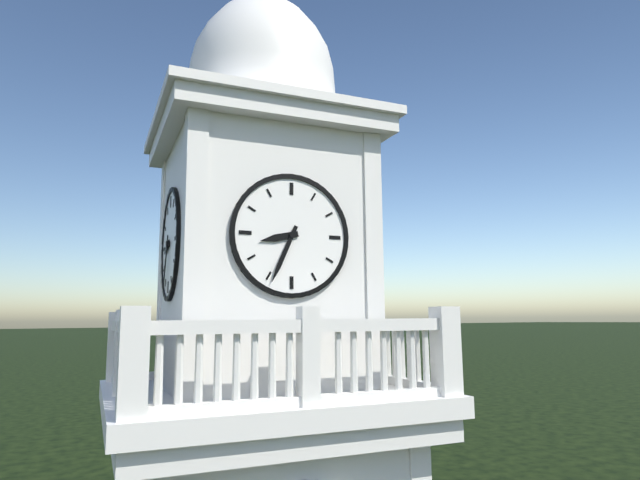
8:34
